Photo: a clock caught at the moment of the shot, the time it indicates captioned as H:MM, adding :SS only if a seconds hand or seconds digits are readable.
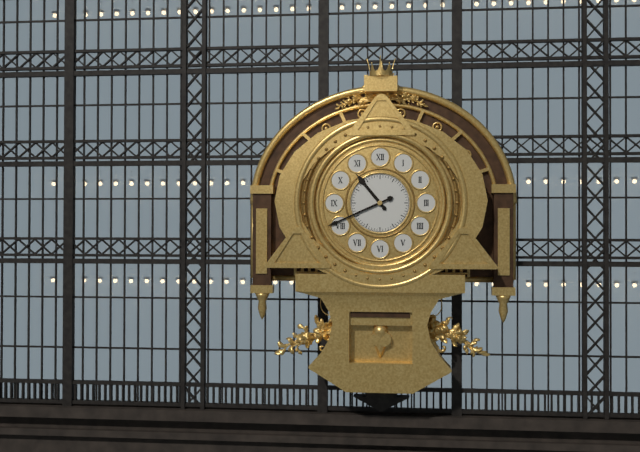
10:41
